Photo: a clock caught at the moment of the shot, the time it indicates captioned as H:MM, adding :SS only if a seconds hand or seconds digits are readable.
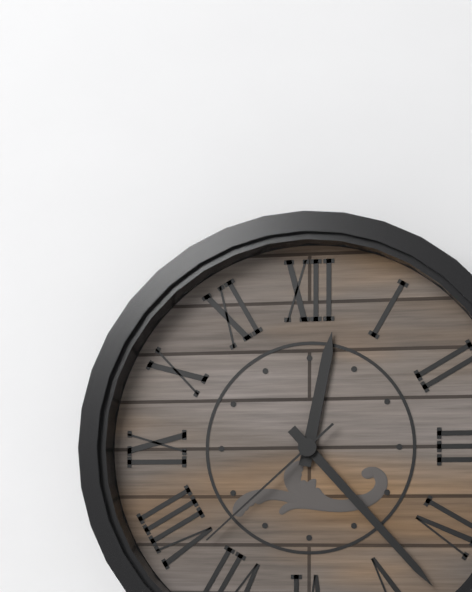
12:23:38
